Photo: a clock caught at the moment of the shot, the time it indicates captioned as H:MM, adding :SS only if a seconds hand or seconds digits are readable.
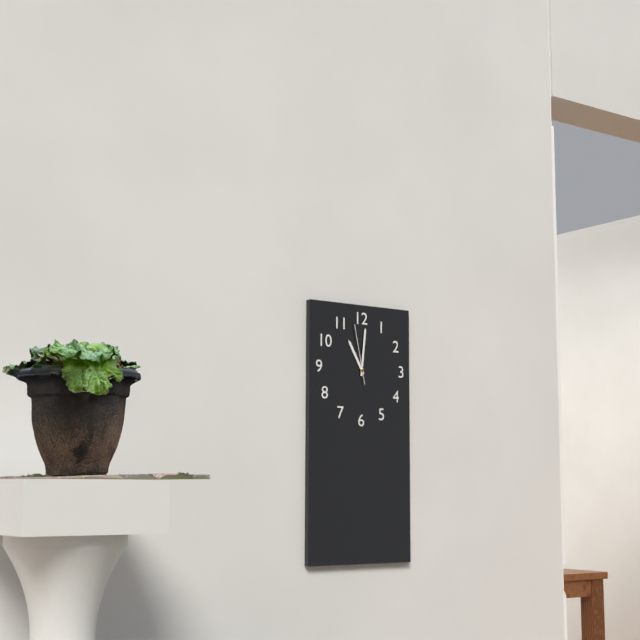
11:01:58
